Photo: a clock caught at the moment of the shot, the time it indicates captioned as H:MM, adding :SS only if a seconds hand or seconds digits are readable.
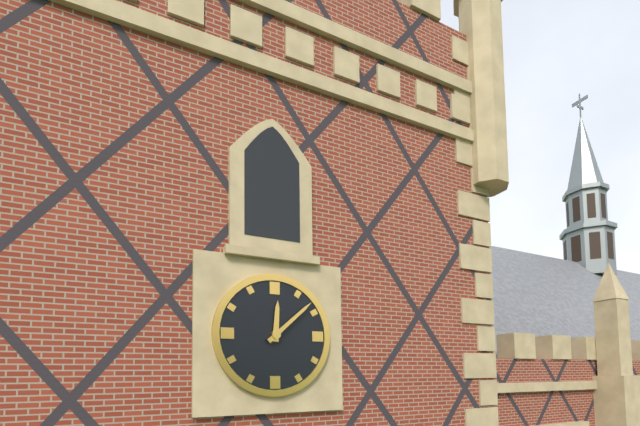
12:08
